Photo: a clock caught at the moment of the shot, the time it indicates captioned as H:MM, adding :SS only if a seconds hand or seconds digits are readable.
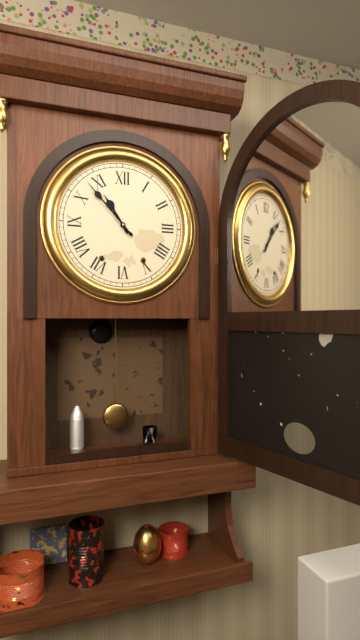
10:53
